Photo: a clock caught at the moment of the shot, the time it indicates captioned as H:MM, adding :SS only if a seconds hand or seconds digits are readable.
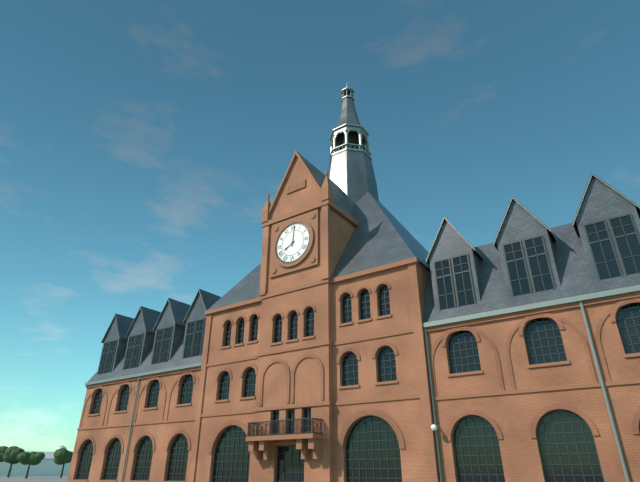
8:01
